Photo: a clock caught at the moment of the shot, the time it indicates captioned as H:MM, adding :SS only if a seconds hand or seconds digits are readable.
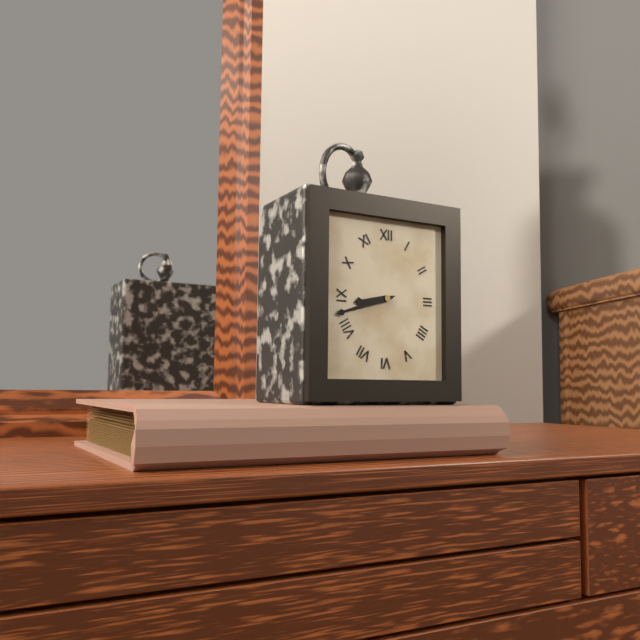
8:42
